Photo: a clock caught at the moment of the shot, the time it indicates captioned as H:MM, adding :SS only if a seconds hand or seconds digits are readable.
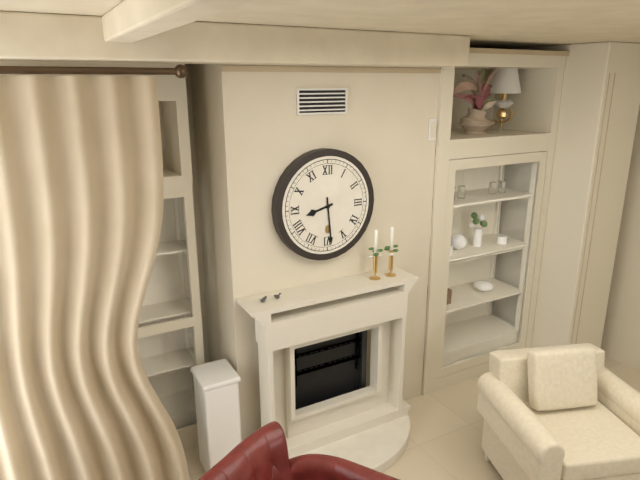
8:29
